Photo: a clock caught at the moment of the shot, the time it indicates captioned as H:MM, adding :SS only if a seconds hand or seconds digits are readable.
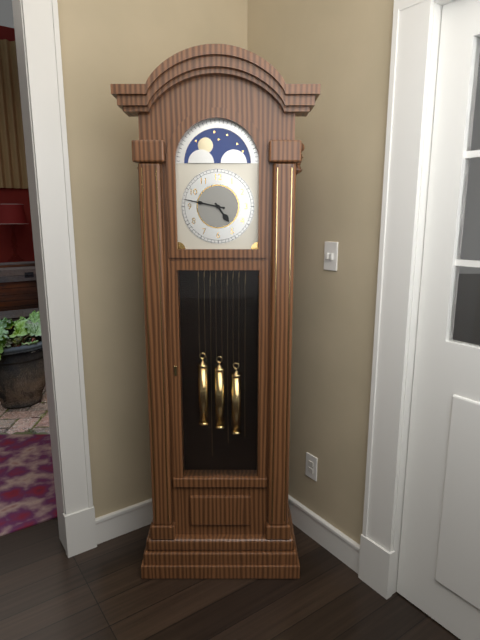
4:47
